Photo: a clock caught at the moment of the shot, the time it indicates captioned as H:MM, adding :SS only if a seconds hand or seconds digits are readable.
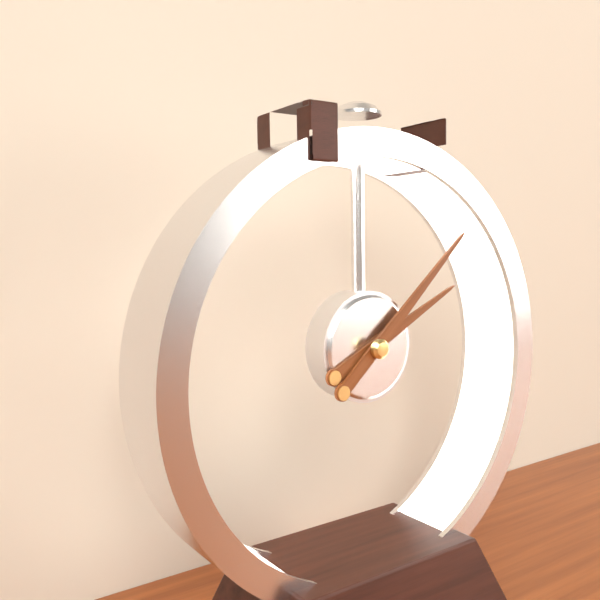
2:08
